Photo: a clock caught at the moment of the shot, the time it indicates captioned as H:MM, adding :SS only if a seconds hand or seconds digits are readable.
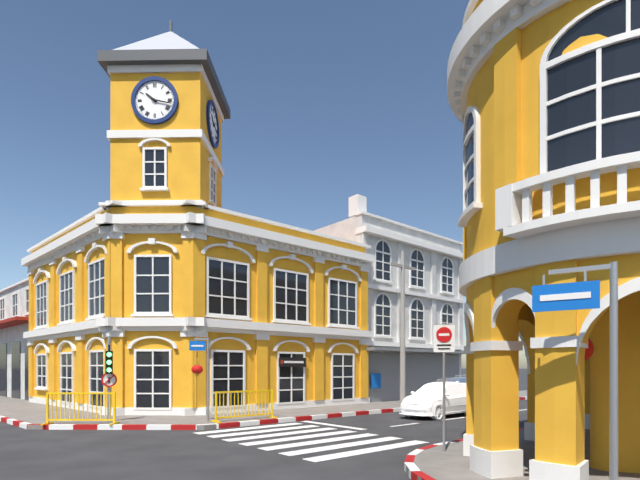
10:17
